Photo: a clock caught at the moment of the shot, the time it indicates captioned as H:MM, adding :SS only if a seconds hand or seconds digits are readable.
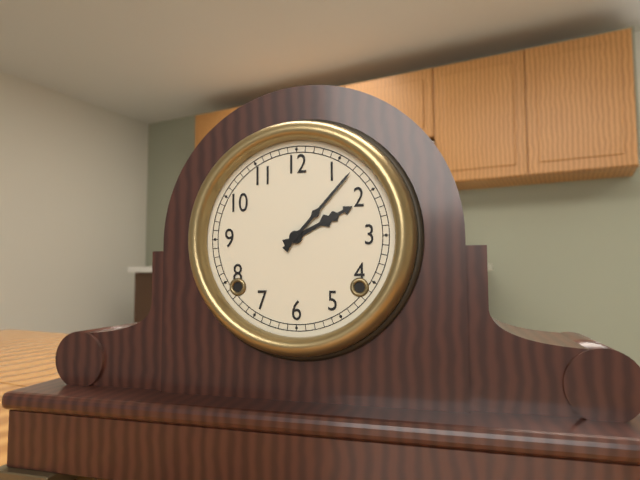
2:07
